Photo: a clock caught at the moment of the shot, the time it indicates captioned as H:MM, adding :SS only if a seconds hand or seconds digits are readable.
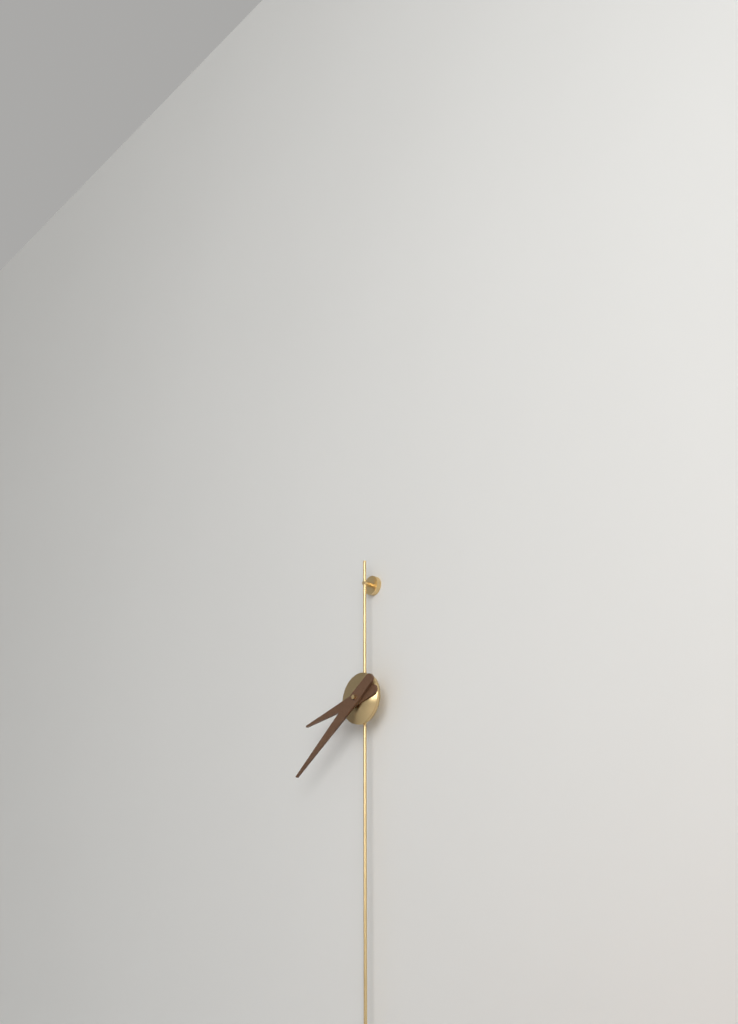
8:39
